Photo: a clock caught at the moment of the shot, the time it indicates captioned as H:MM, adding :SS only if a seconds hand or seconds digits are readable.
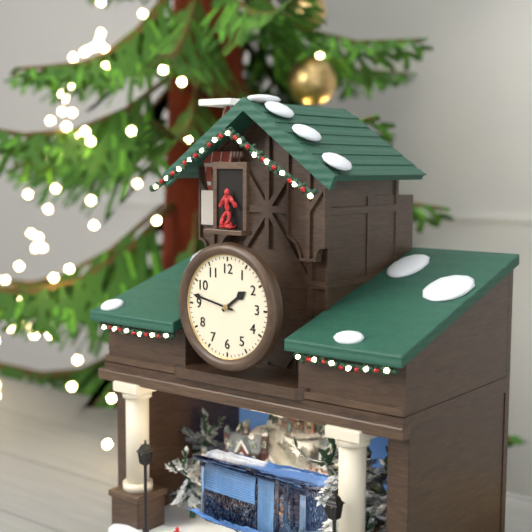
1:47
